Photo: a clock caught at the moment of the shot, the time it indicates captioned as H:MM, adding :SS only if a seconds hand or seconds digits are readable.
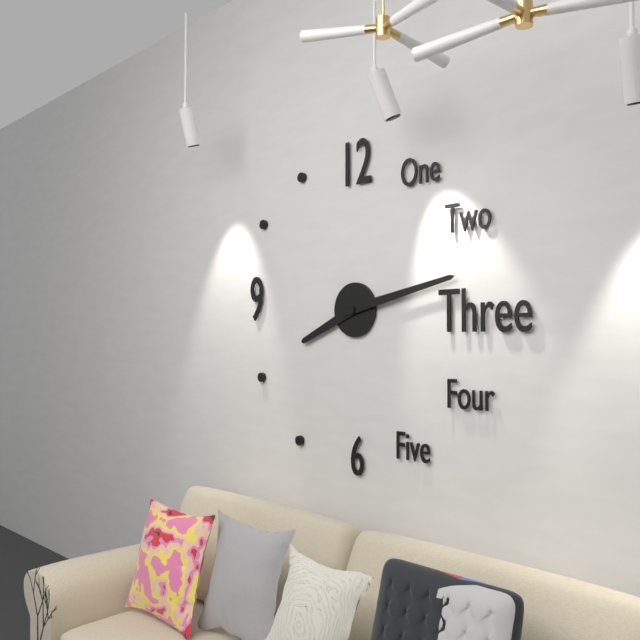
8:13
